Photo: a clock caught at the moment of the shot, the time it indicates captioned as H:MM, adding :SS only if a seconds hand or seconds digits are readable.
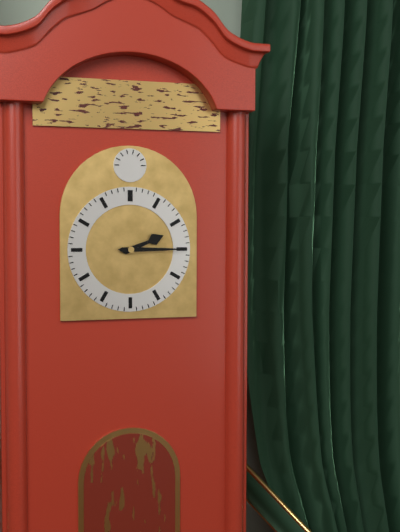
2:15
